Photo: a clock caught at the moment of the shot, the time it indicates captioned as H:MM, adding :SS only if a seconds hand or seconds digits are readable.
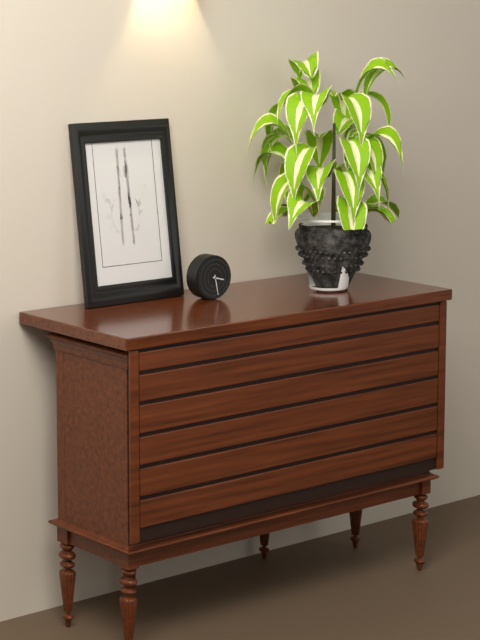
3:28
